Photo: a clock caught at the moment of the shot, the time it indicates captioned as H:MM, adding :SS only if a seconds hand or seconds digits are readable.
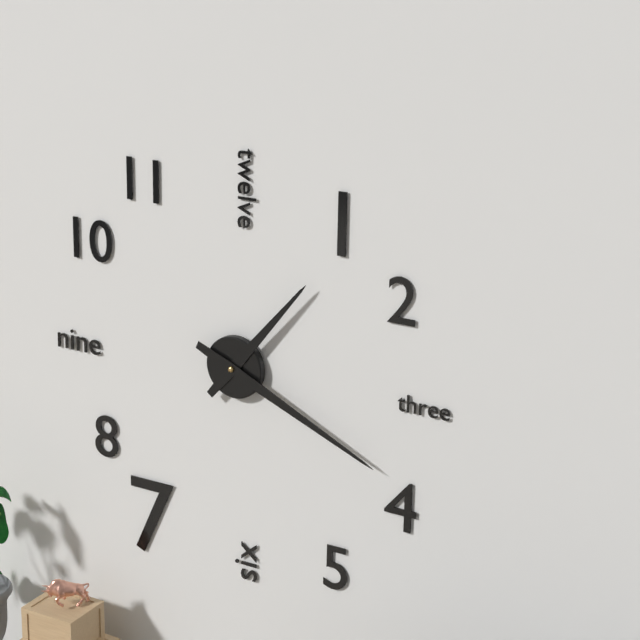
1:19
